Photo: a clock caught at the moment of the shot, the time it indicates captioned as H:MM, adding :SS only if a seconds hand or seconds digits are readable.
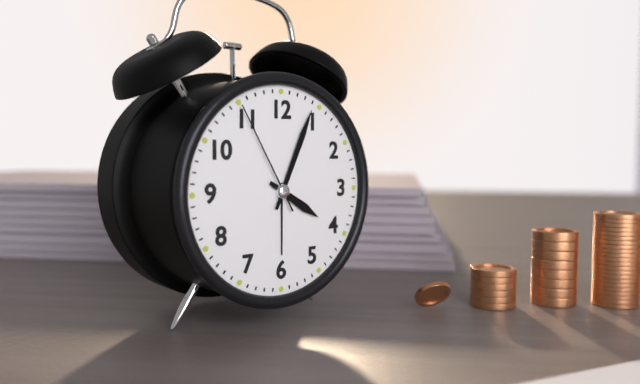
4:04:55
